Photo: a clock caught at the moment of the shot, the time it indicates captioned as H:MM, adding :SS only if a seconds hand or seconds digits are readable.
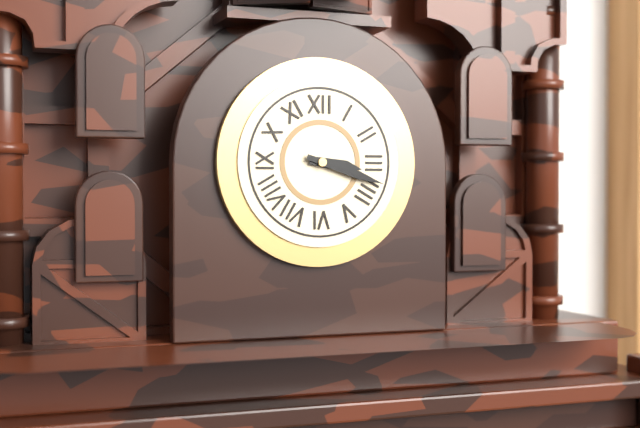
3:18
